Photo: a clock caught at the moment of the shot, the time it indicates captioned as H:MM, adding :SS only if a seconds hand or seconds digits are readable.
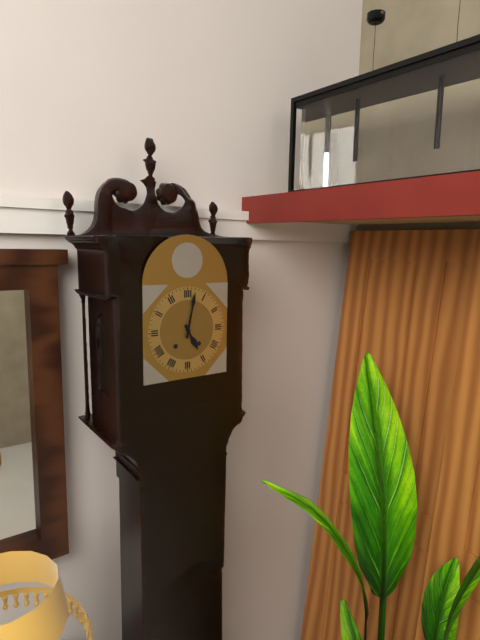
5:02
